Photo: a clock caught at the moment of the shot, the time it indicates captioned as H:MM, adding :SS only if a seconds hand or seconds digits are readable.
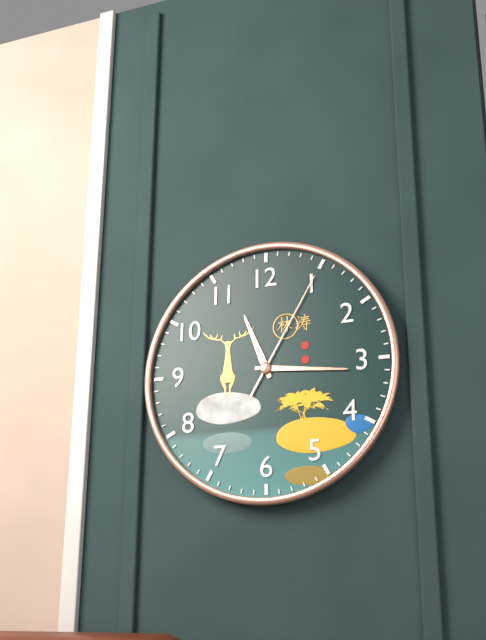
11:16:05
